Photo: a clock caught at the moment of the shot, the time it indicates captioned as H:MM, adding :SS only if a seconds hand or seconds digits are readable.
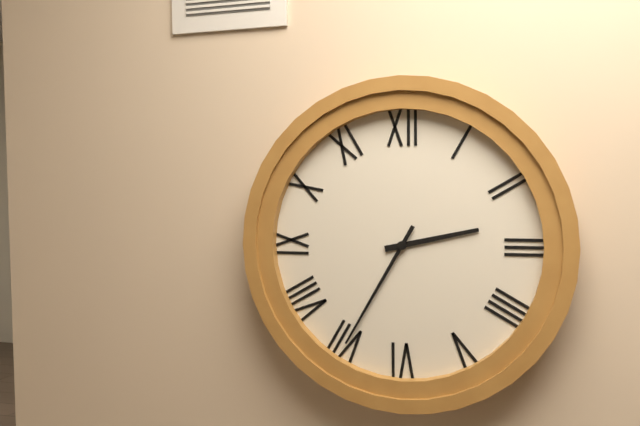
2:35
